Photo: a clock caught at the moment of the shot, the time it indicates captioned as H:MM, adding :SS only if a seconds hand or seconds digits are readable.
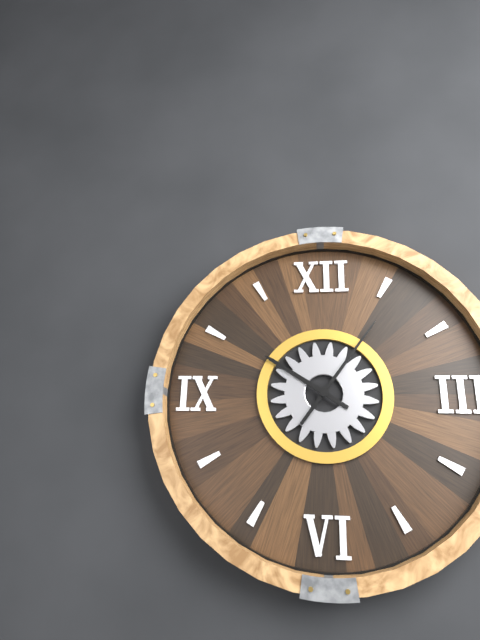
10:06
